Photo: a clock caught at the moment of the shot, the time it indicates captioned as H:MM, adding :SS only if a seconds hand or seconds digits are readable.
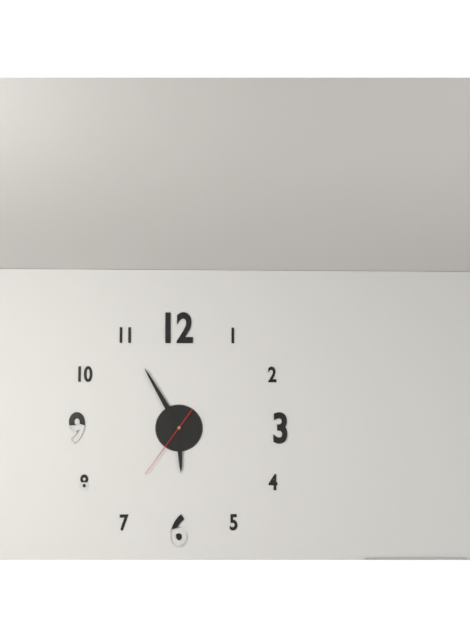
5:55:36
